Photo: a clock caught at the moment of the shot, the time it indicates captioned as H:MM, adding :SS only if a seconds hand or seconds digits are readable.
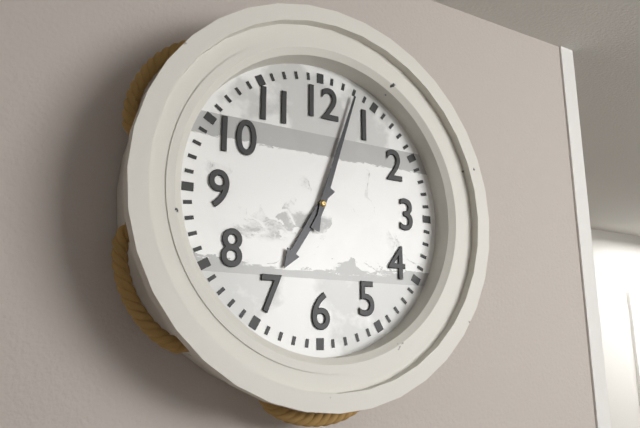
7:03
